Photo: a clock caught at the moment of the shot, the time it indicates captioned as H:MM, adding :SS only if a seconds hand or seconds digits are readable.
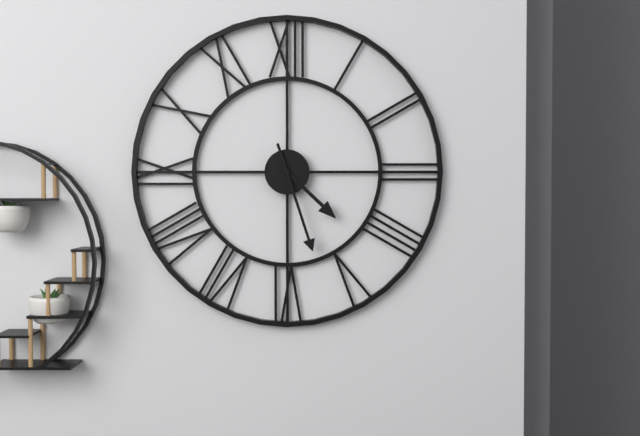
4:27
